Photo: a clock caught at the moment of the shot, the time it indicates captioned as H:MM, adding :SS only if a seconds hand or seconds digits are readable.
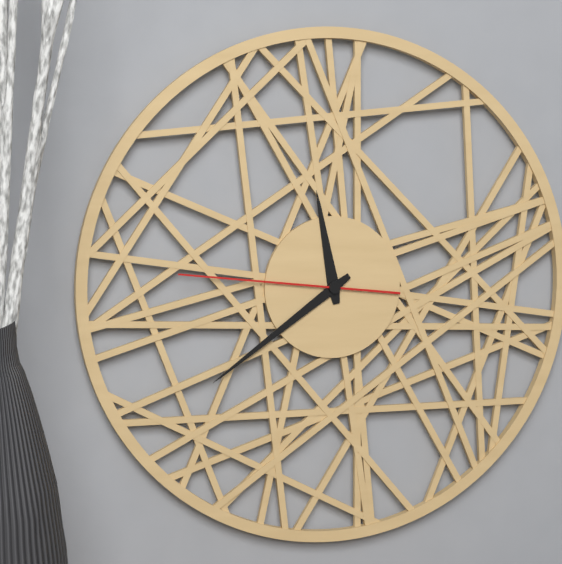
11:39:46
